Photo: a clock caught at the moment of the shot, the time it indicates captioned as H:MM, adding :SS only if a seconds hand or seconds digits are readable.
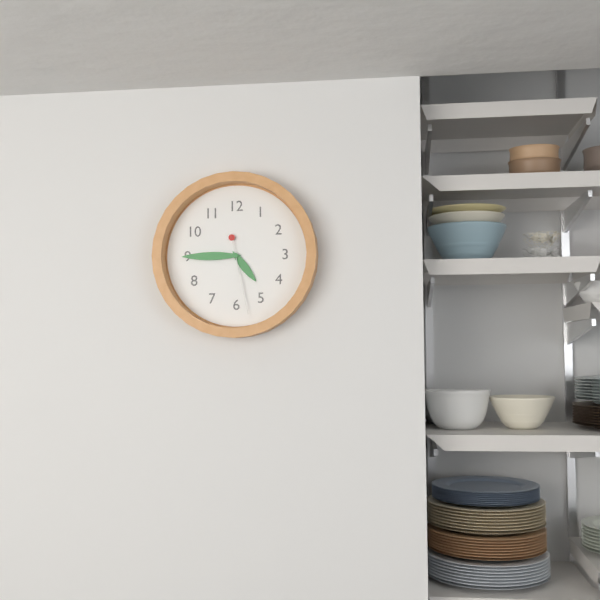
4:45:28
